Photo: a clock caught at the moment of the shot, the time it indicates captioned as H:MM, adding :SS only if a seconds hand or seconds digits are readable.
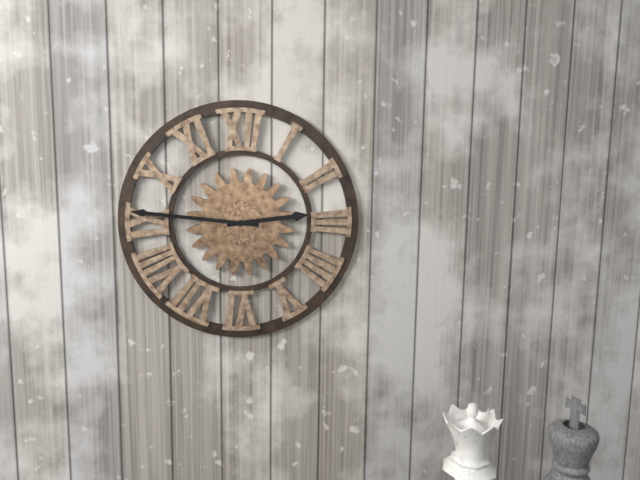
2:46
